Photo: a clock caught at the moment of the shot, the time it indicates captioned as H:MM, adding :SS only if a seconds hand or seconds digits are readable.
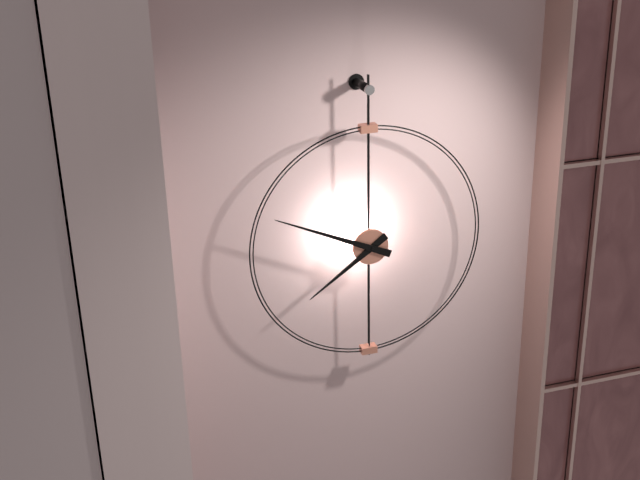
7:49
